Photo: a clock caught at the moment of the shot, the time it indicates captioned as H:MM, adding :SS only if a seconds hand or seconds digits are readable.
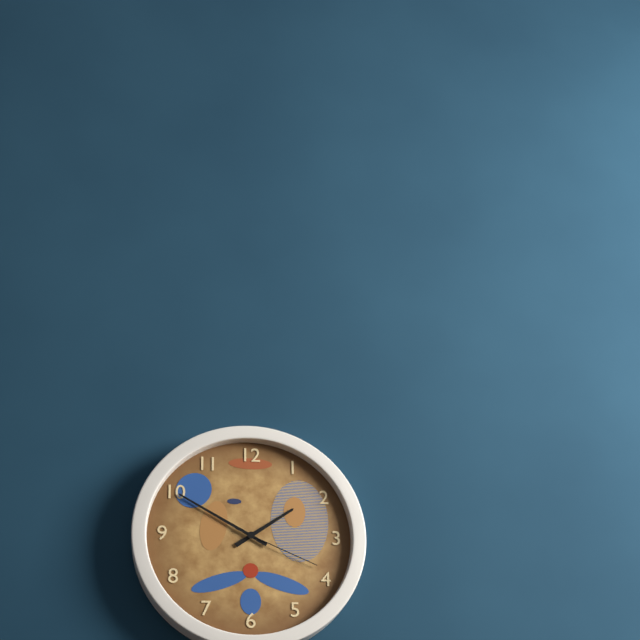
1:50:19
